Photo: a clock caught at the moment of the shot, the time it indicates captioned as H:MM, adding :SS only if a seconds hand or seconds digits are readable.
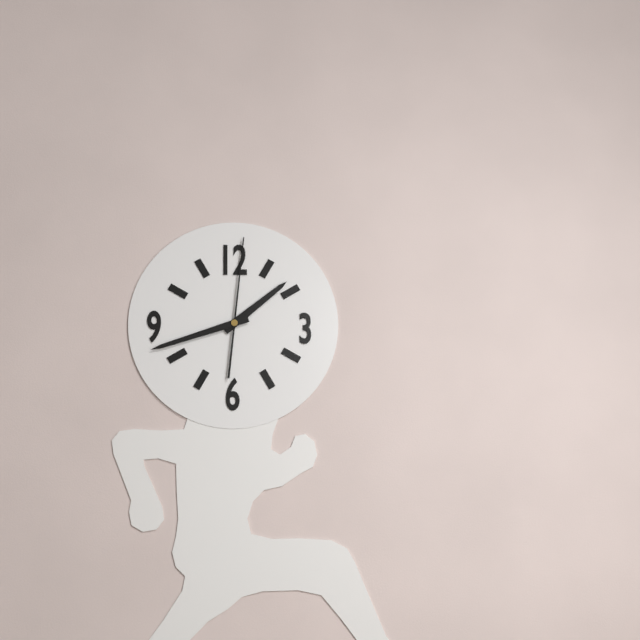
1:42:01
